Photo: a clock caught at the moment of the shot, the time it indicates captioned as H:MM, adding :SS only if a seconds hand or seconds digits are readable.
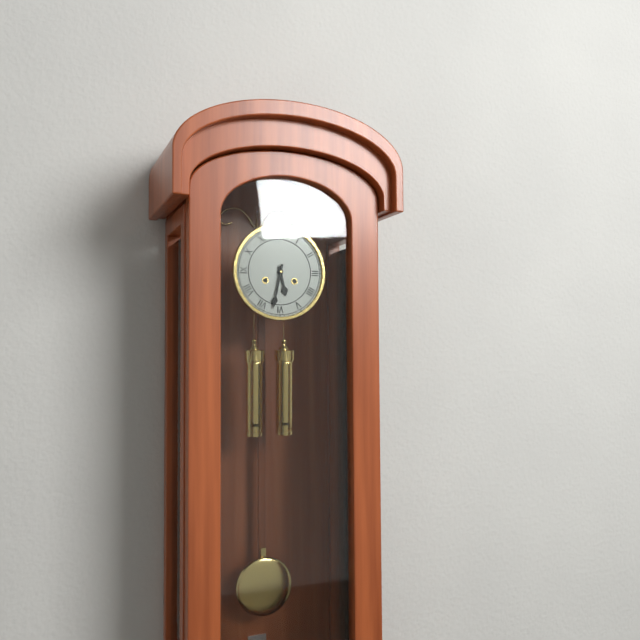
5:32
